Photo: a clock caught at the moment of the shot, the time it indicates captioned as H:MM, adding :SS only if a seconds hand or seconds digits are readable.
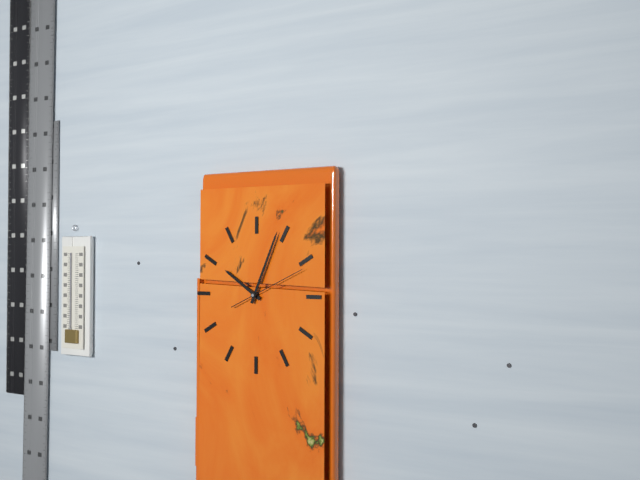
10:04:11
